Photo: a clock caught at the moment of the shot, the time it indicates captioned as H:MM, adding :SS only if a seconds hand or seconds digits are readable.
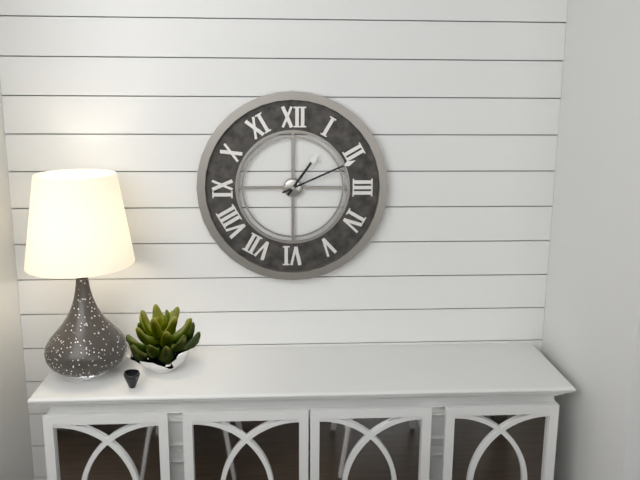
1:11
